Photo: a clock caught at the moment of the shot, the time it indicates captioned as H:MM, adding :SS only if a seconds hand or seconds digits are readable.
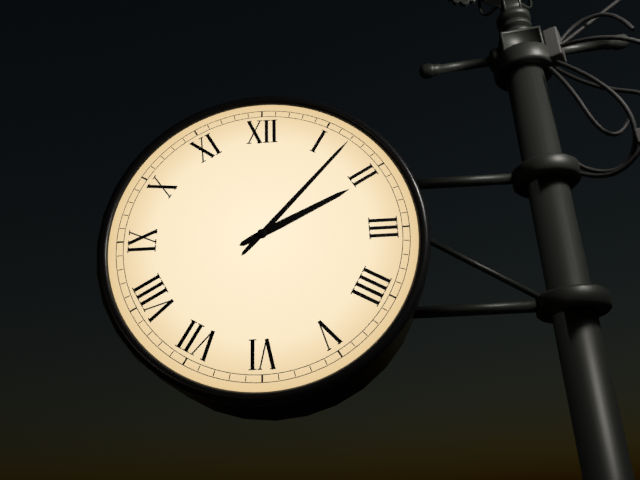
2:07
